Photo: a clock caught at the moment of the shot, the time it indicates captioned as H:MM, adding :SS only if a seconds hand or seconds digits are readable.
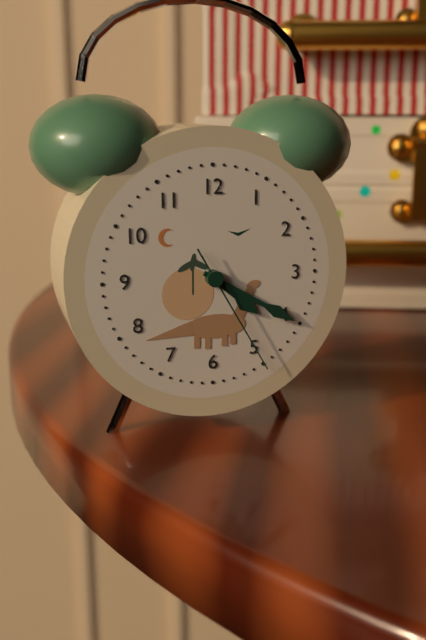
4:20:25
